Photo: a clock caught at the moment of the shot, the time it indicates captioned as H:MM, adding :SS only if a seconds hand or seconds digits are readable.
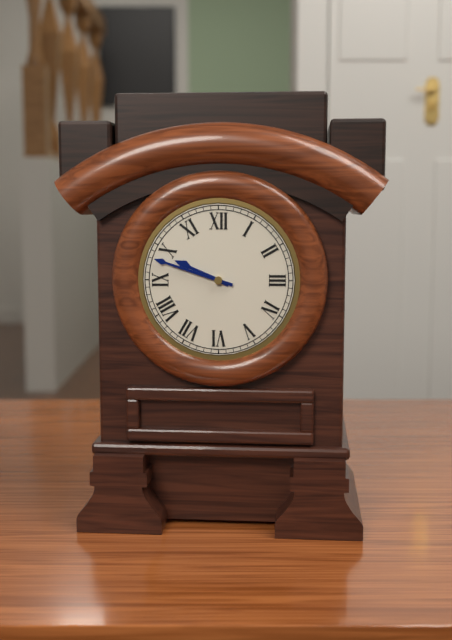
9:48
